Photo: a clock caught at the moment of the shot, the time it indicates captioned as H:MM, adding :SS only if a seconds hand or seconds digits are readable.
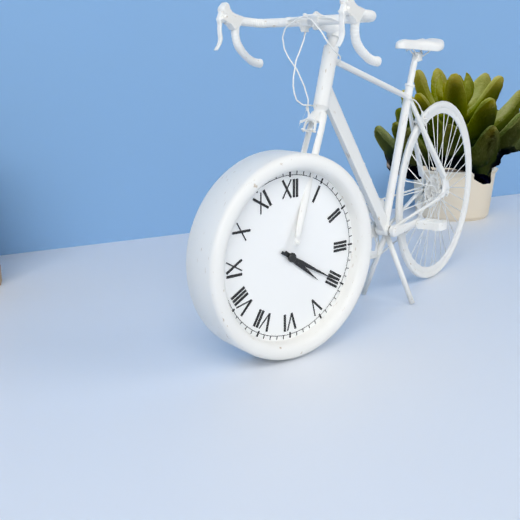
4:20
